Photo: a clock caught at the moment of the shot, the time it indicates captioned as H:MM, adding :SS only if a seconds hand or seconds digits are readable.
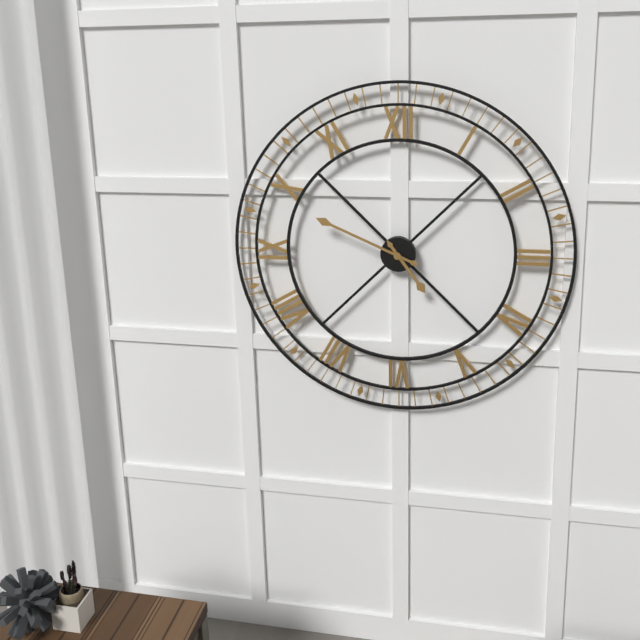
4:49
